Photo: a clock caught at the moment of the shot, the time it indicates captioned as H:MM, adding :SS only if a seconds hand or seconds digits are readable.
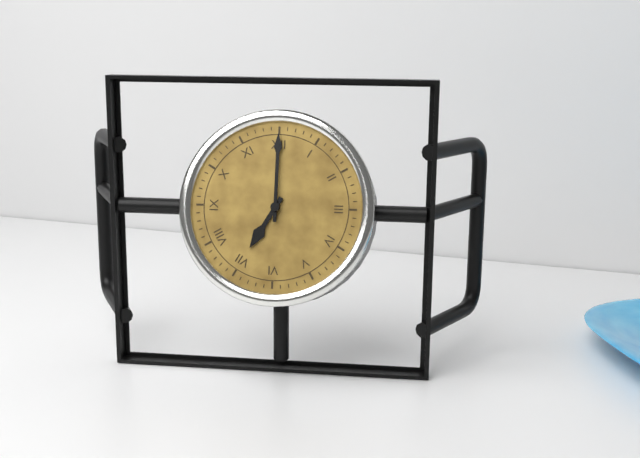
7:00
